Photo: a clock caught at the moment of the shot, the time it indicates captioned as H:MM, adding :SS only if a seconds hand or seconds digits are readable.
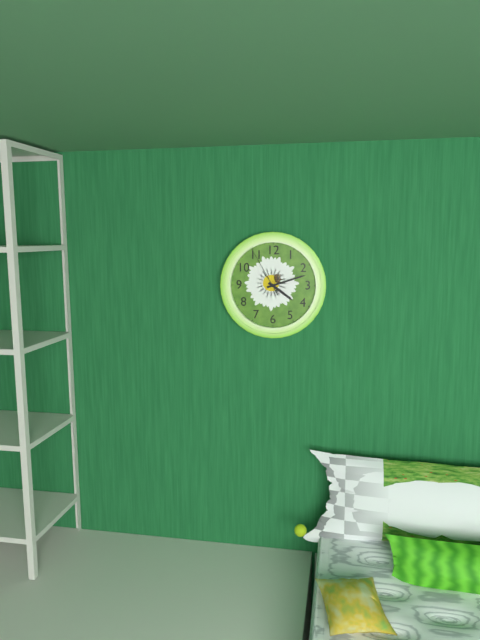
4:12
